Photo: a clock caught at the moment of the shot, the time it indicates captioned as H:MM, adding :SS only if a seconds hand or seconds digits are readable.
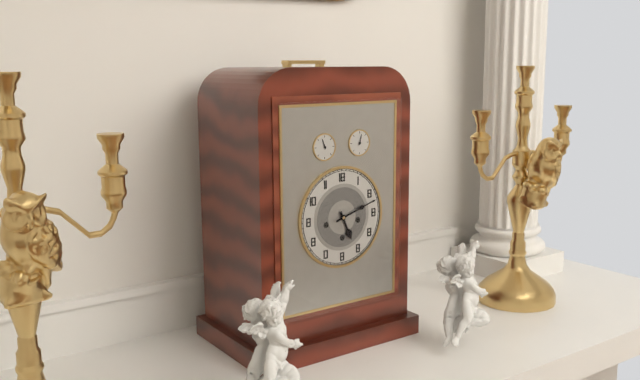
5:12
